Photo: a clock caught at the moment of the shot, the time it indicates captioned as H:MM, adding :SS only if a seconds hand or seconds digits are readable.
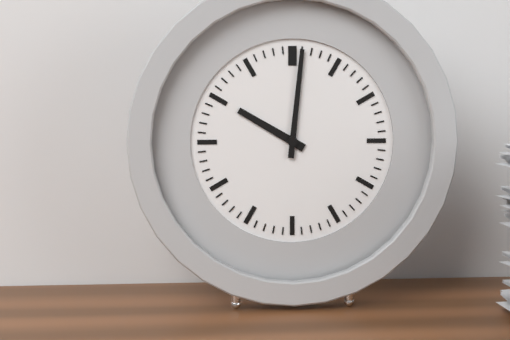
10:01
